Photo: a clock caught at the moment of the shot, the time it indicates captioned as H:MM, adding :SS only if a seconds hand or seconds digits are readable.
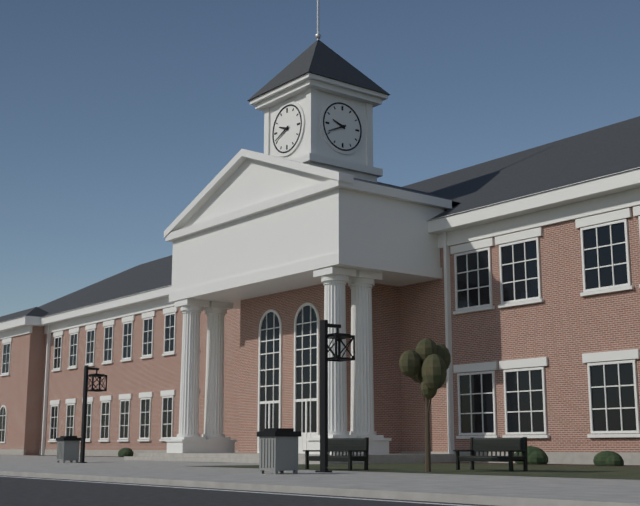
9:41
